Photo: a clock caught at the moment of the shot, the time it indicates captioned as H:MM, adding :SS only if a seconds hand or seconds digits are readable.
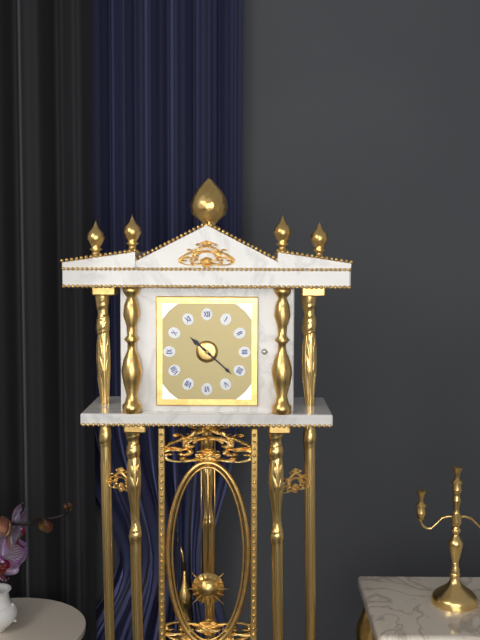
10:22
